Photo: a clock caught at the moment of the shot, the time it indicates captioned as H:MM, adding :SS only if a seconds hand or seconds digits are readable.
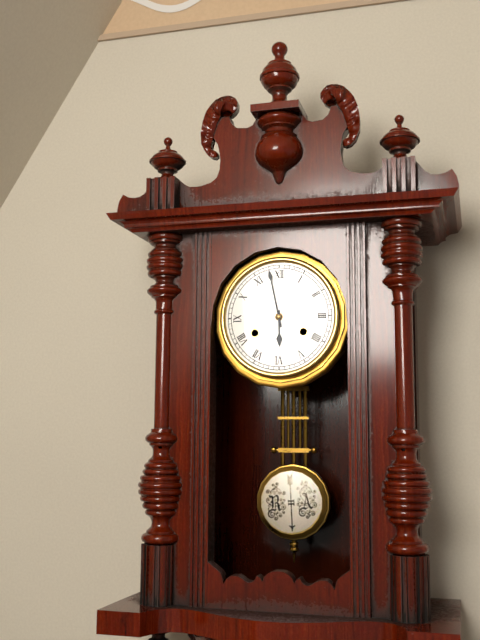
5:58
